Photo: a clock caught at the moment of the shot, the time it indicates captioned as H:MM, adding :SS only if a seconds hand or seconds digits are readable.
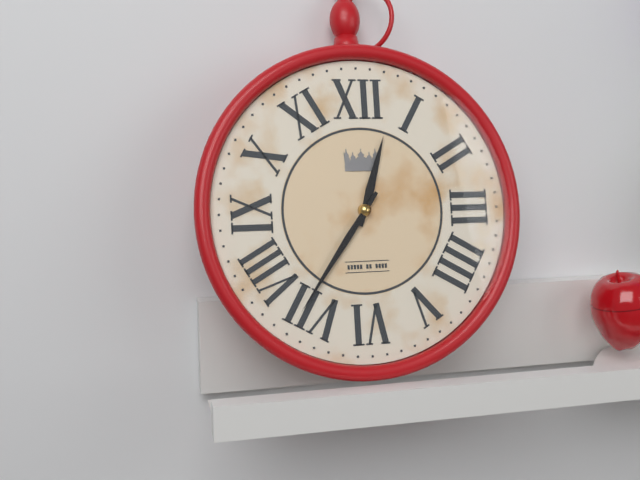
12:36
